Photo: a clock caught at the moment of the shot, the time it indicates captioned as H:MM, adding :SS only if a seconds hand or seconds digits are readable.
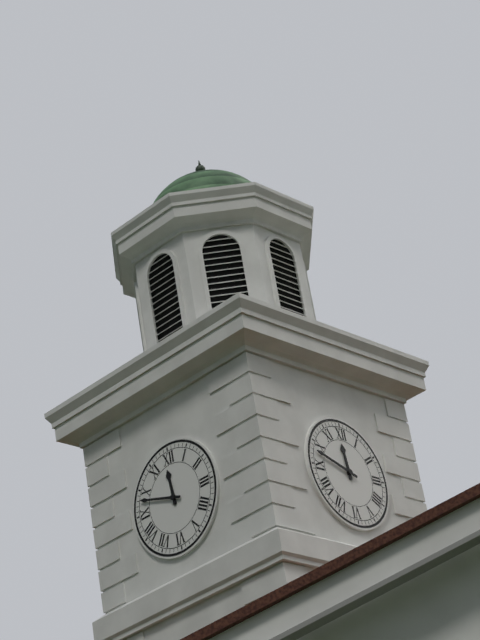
11:48
